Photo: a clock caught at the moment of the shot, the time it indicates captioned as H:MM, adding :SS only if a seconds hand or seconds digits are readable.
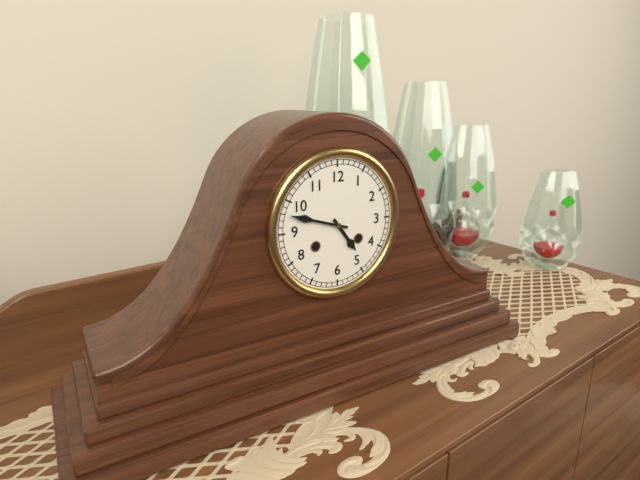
4:48
